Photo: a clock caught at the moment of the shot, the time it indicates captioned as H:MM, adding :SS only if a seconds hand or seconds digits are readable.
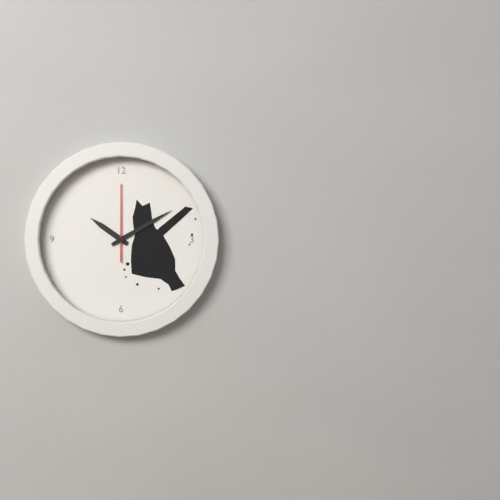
10:10:00
